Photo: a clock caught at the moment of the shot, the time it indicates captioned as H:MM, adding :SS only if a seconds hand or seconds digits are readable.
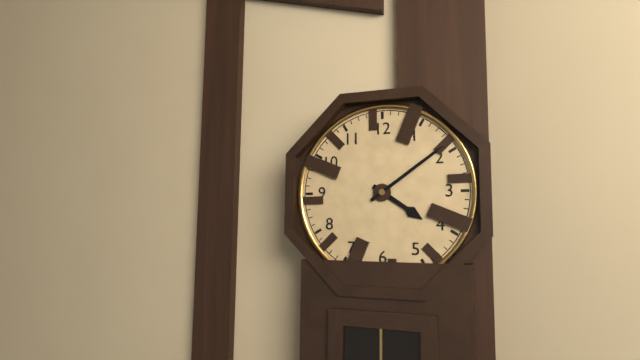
4:09
